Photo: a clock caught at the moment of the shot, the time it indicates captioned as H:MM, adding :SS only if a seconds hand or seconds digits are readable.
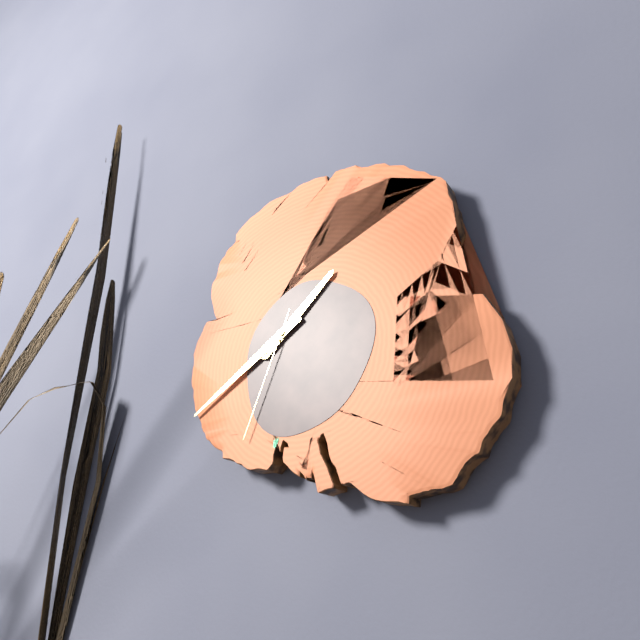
1:40:34
